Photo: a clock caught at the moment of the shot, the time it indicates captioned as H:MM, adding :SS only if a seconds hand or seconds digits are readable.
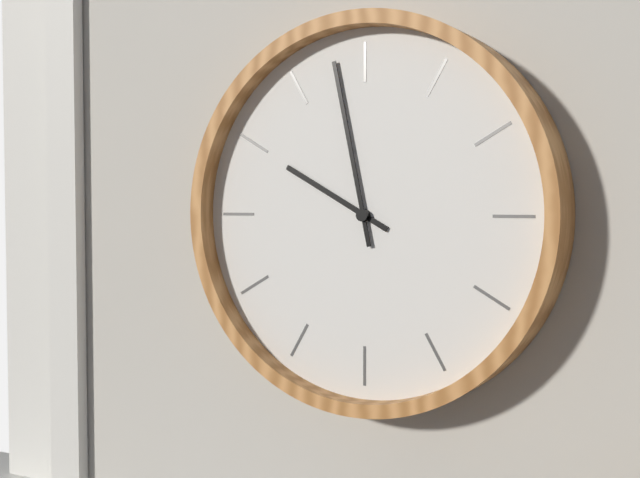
9:58
